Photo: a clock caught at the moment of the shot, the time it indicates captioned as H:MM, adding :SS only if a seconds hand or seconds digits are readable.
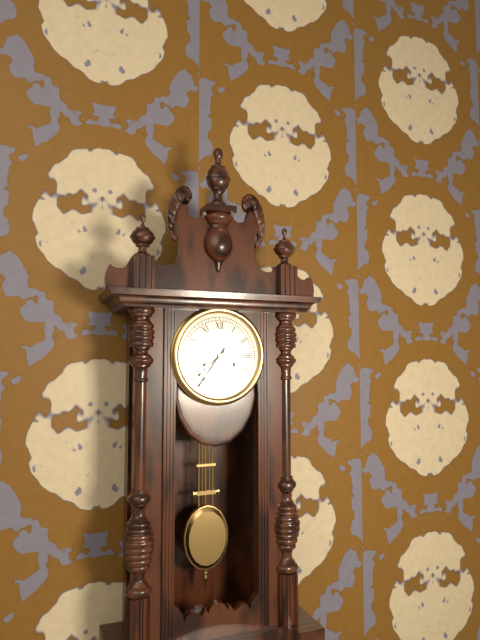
7:36
